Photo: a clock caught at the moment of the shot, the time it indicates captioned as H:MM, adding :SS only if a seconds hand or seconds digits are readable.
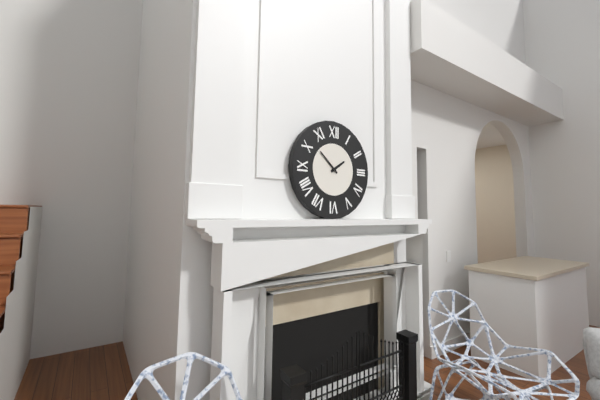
1:52
